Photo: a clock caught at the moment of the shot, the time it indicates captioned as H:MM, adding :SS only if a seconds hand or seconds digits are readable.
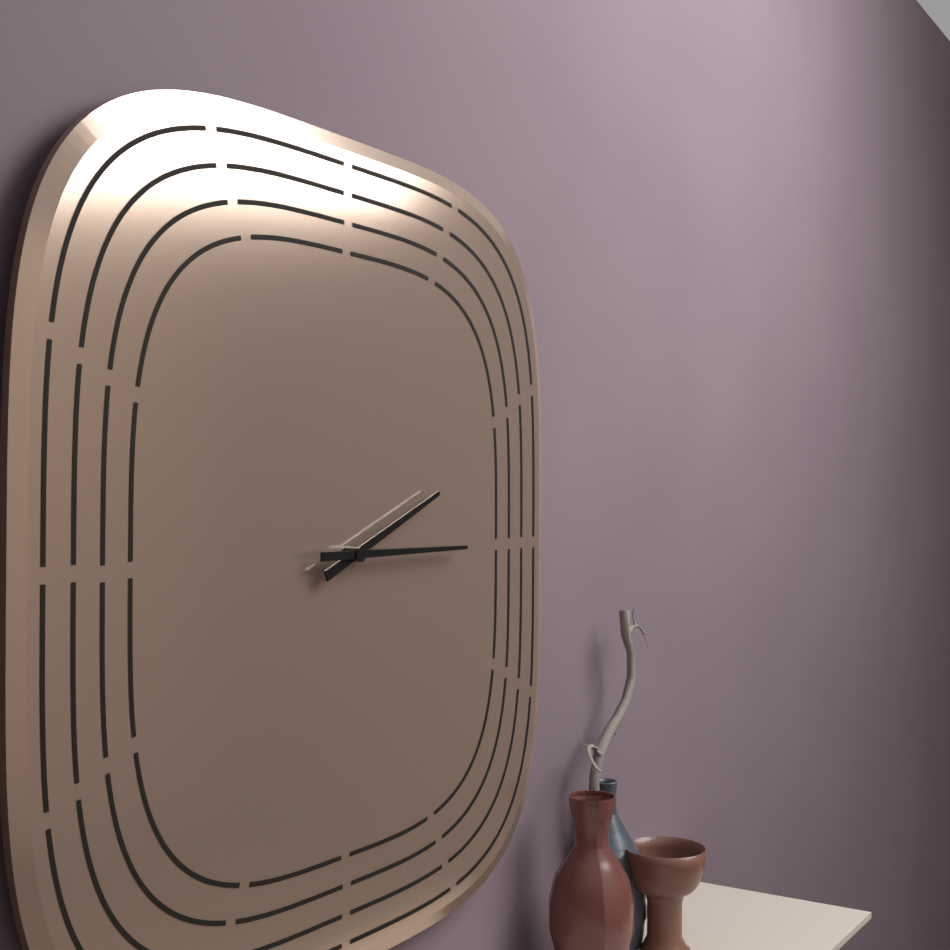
2:15
